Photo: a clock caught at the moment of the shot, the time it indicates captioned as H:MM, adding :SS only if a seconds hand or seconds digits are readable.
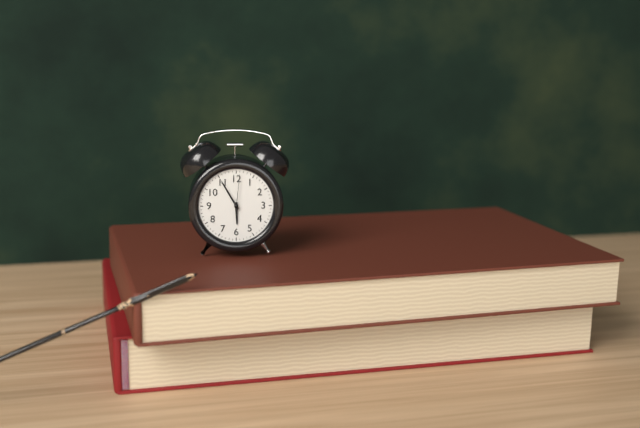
5:55
